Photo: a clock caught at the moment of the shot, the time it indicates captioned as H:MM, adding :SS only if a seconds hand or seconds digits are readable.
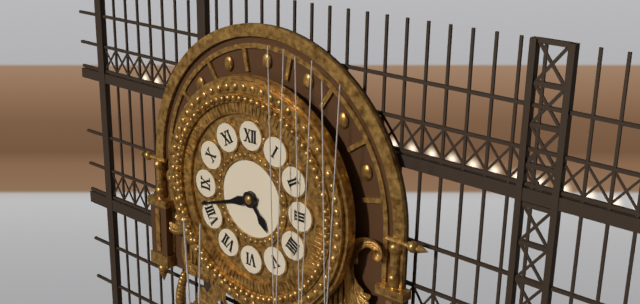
4:42
